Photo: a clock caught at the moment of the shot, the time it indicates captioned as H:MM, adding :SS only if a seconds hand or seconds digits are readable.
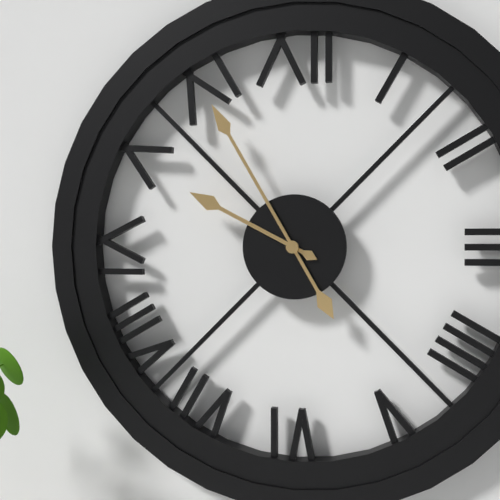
9:55
